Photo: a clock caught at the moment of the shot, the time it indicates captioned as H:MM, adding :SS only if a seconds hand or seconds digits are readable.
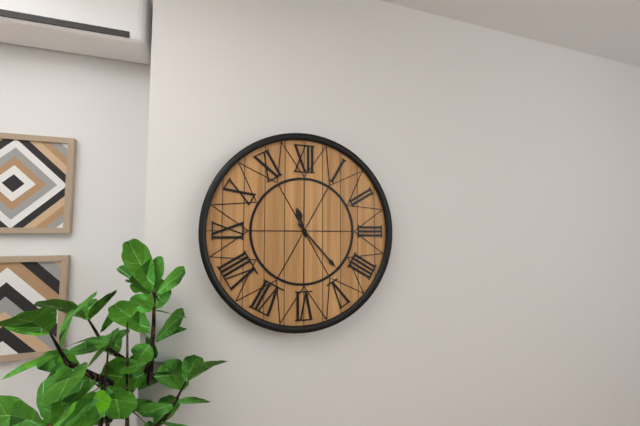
11:23
